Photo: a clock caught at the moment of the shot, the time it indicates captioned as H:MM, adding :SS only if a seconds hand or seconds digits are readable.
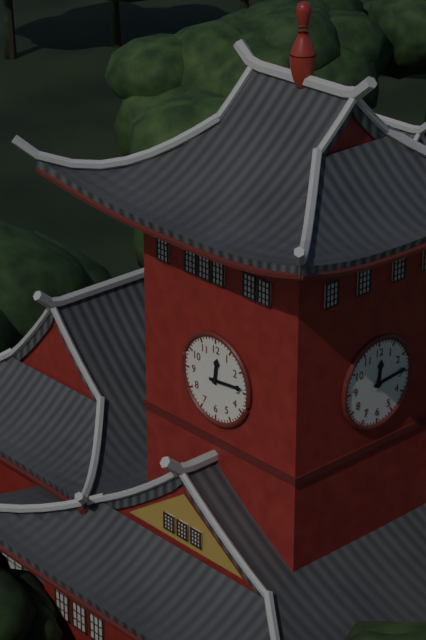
12:14
